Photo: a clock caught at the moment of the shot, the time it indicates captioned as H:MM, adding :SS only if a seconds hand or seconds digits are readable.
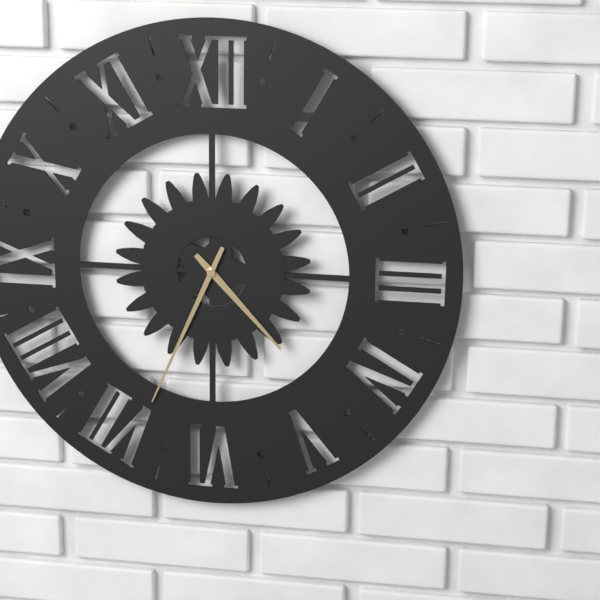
4:34
